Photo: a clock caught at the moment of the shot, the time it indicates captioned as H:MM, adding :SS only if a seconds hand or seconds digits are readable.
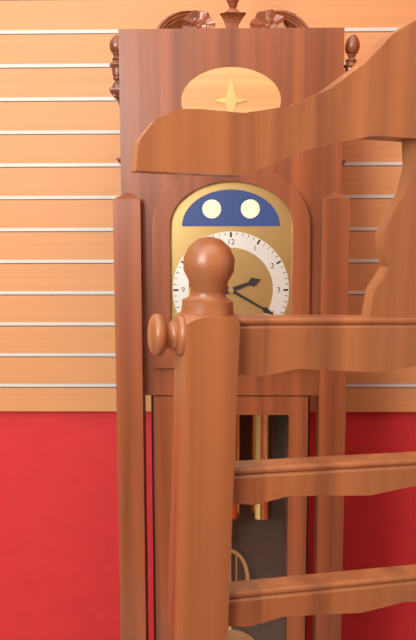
2:20
